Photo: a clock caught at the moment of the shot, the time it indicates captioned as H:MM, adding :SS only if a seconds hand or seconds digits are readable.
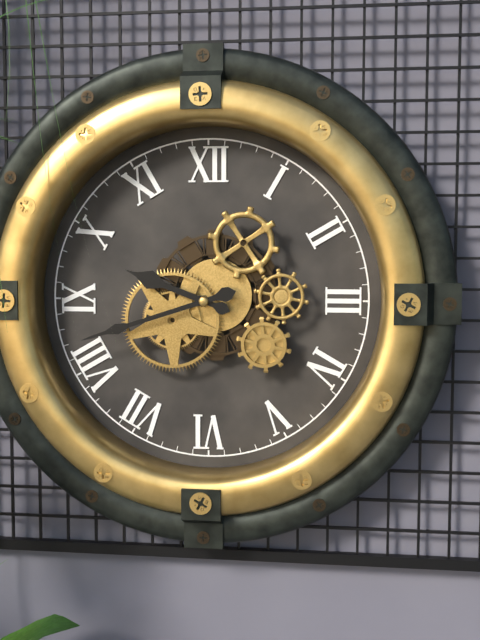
9:42
